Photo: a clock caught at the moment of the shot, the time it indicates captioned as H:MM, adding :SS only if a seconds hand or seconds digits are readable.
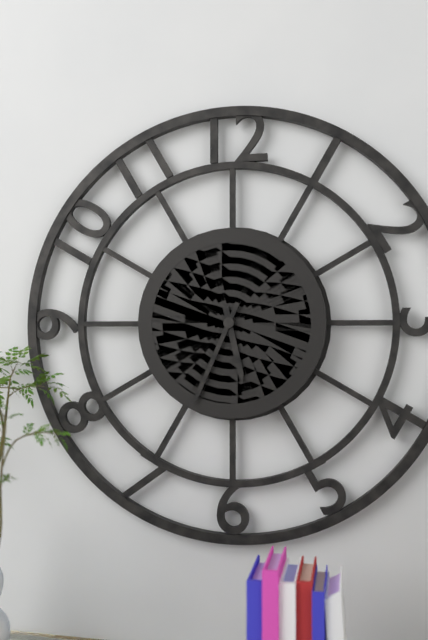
5:34
